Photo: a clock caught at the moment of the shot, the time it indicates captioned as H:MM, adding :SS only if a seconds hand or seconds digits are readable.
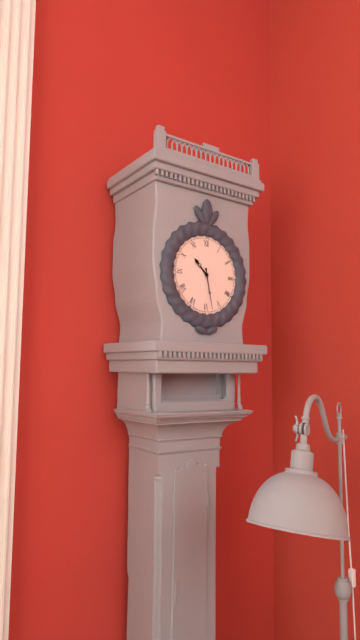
10:28
